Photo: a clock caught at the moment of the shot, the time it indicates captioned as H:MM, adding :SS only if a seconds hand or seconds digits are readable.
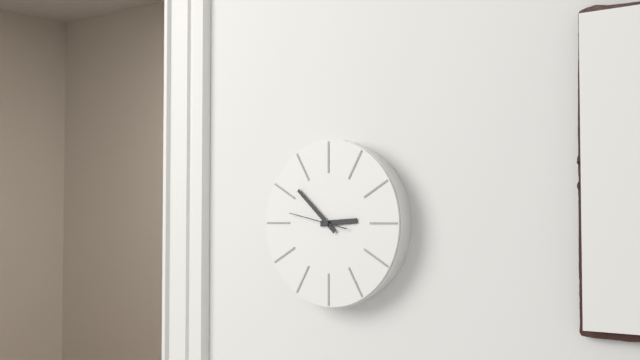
2:52
